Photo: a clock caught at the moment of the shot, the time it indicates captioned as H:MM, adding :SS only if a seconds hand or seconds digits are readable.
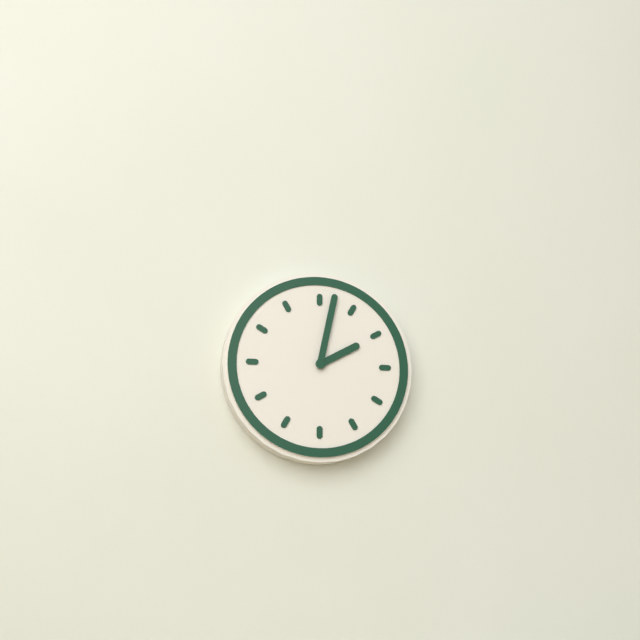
2:02
